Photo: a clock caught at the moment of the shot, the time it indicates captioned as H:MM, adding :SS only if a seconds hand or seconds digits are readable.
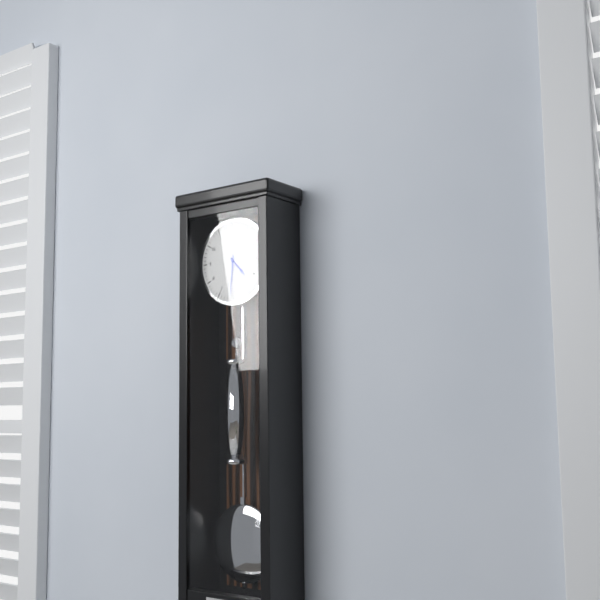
4:31
